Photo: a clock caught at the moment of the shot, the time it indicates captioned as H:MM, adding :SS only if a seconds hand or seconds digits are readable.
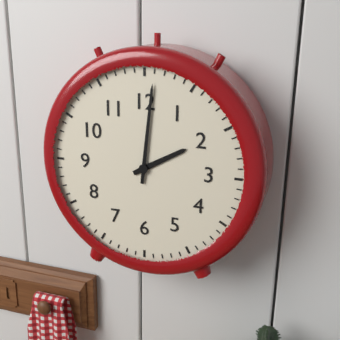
2:01
